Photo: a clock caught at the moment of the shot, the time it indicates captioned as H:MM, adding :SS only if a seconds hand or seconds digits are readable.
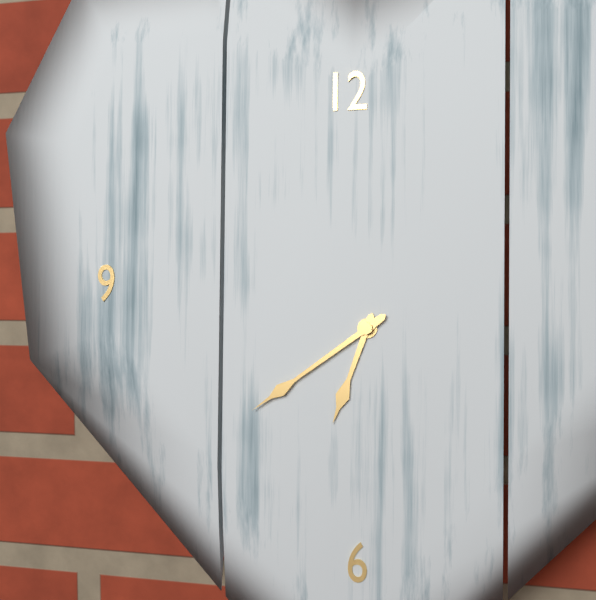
6:39
